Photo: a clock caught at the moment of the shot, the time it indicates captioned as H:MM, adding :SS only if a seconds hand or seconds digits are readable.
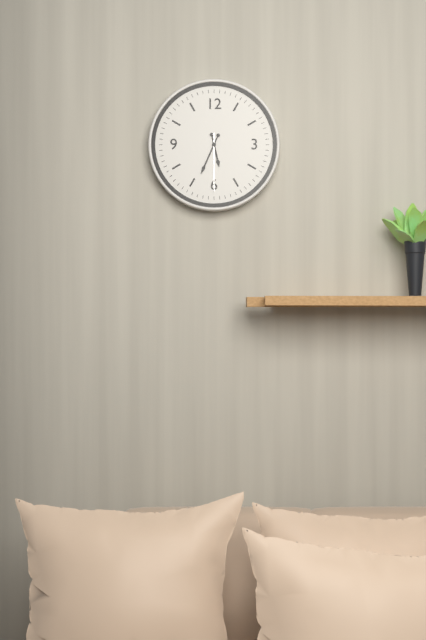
5:34:30
